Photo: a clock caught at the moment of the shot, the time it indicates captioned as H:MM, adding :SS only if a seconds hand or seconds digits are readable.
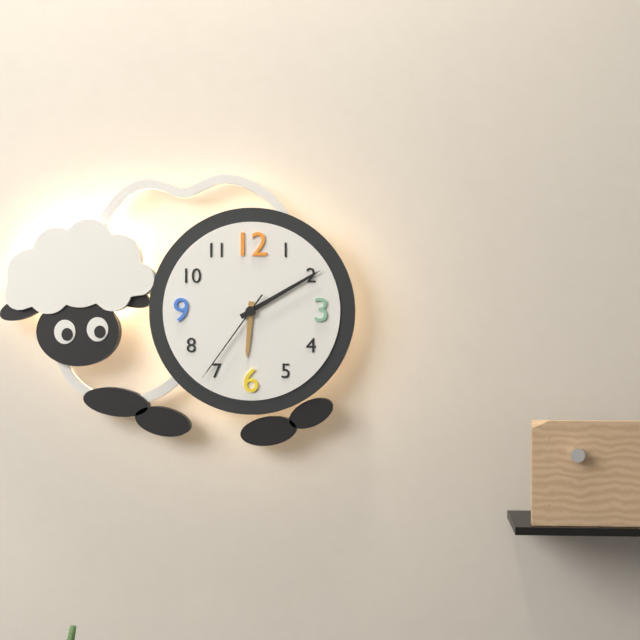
6:10:36
